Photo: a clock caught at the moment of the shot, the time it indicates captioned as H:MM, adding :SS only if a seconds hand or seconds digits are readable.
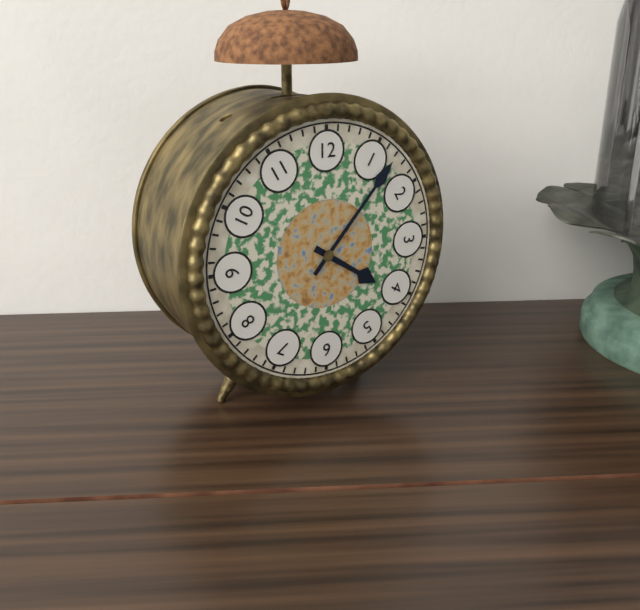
4:07
